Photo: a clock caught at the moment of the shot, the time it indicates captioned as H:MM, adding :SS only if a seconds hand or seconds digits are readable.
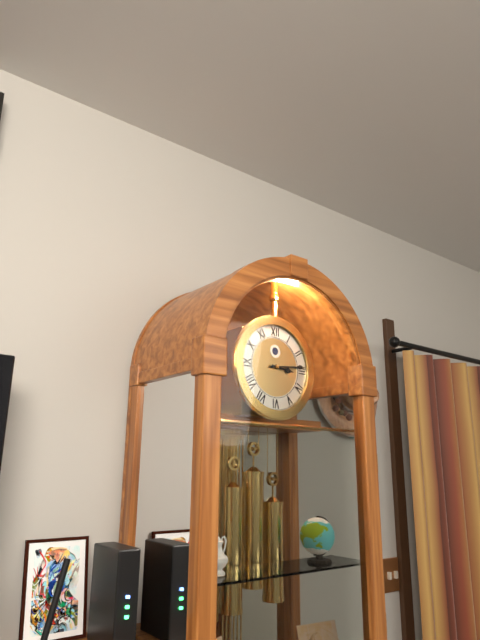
3:14
